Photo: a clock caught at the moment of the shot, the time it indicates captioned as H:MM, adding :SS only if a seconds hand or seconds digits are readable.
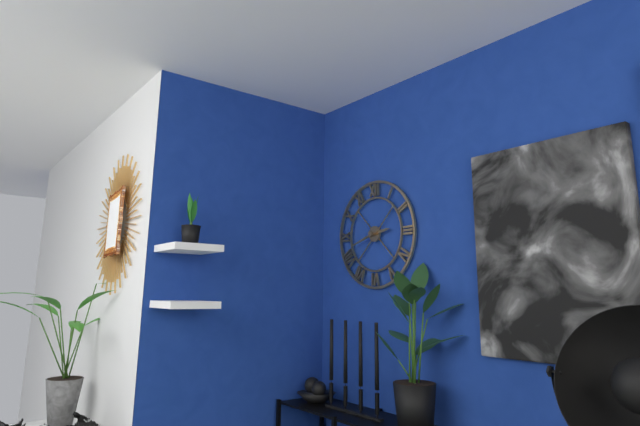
2:42
